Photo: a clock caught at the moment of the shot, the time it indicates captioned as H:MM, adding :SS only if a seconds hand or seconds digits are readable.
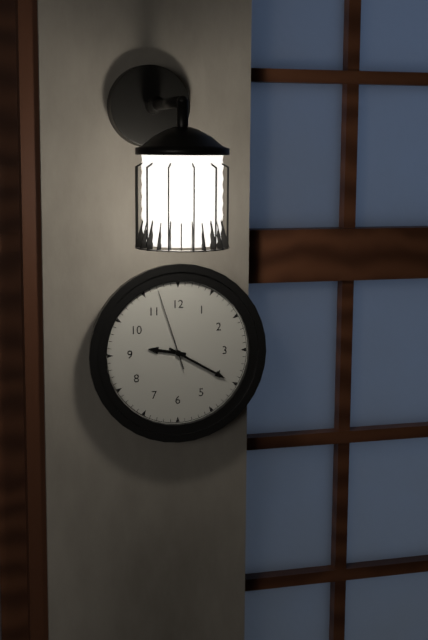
9:20:57
